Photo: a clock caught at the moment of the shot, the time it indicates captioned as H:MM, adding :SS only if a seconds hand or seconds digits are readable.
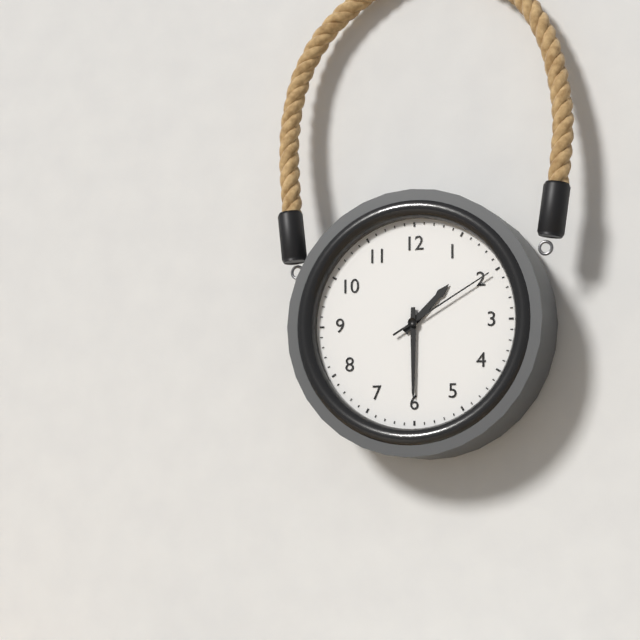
1:30:10
